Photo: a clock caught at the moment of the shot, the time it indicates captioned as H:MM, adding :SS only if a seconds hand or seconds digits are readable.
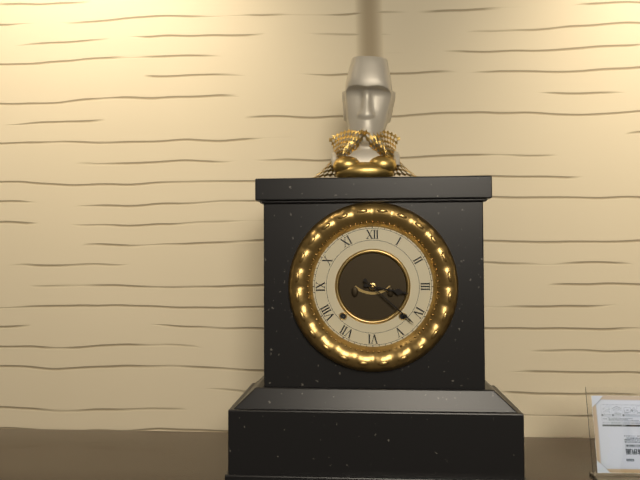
3:22
